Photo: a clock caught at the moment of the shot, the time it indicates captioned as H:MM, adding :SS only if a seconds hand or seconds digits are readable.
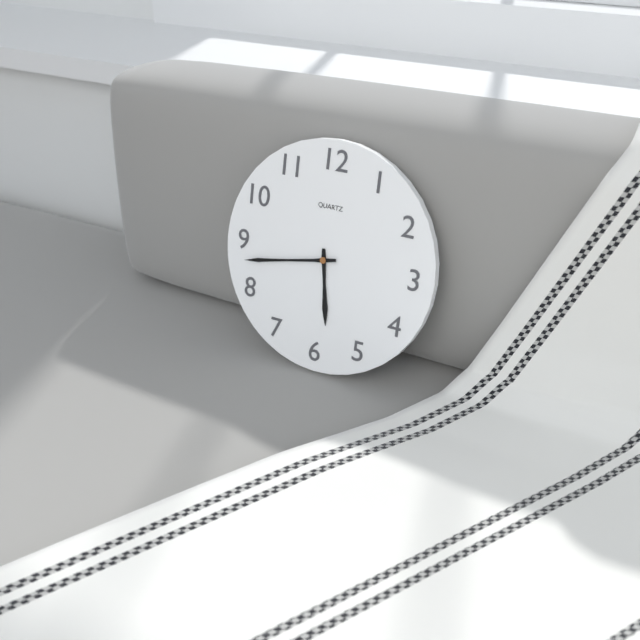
5:43
